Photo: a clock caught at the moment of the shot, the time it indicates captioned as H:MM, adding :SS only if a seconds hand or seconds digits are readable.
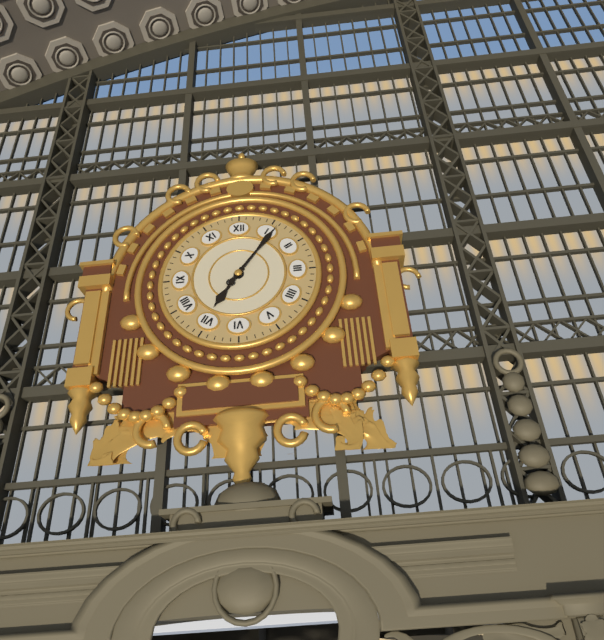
7:06
